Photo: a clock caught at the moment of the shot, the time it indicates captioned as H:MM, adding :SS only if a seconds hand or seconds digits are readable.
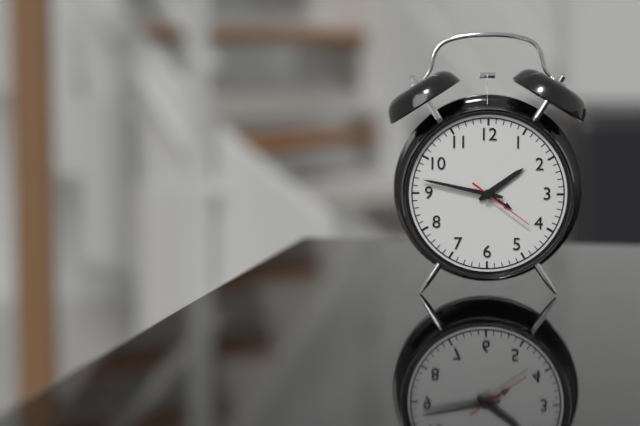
1:47:21
